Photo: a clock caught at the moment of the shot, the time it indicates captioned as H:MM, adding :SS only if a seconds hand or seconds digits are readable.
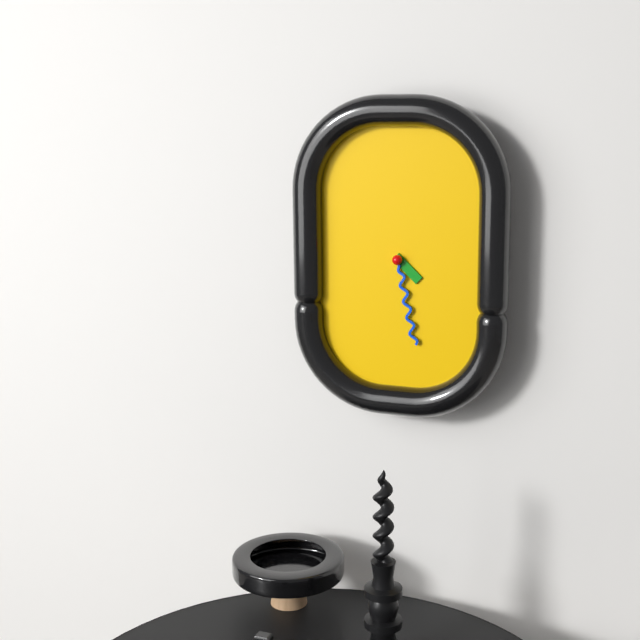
4:28
